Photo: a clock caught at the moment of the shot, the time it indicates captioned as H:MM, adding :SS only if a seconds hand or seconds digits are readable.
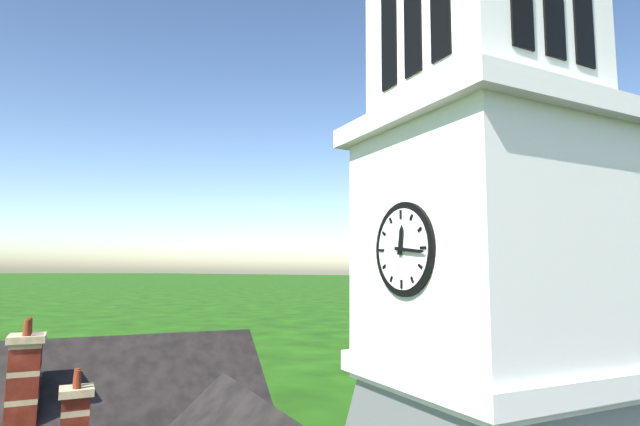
12:16
